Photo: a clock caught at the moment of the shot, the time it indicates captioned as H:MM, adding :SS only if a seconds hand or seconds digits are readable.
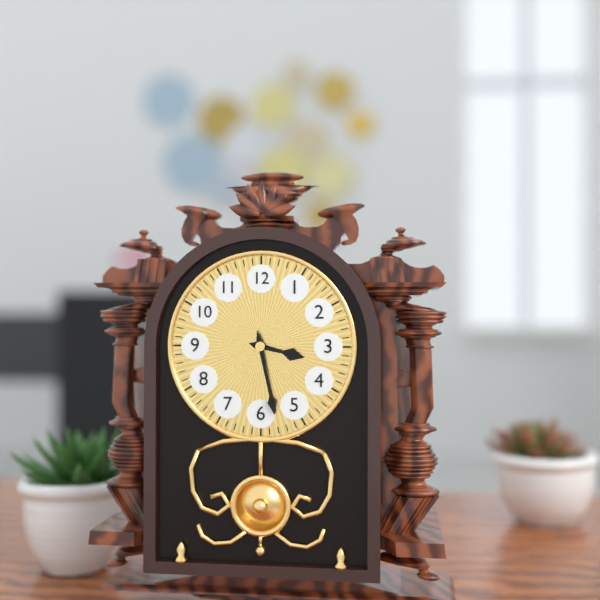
3:28
